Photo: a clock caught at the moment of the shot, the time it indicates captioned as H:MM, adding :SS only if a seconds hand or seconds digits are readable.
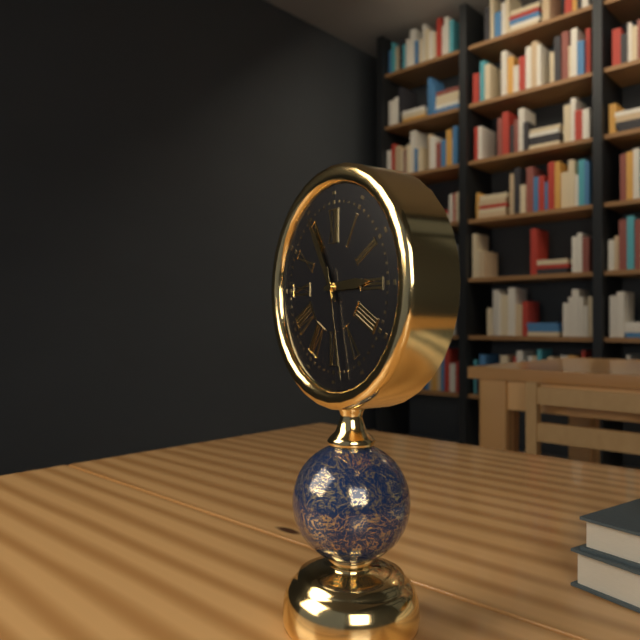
2:55:28
